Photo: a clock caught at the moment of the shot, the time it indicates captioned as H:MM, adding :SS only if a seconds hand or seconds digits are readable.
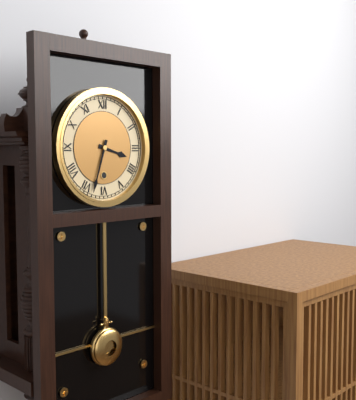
3:33
